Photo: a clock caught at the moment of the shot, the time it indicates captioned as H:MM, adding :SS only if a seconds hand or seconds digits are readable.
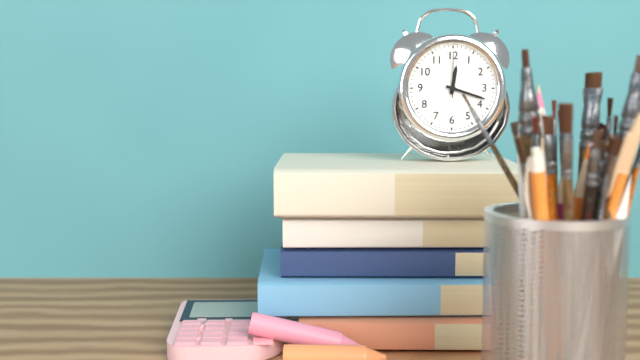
12:18
